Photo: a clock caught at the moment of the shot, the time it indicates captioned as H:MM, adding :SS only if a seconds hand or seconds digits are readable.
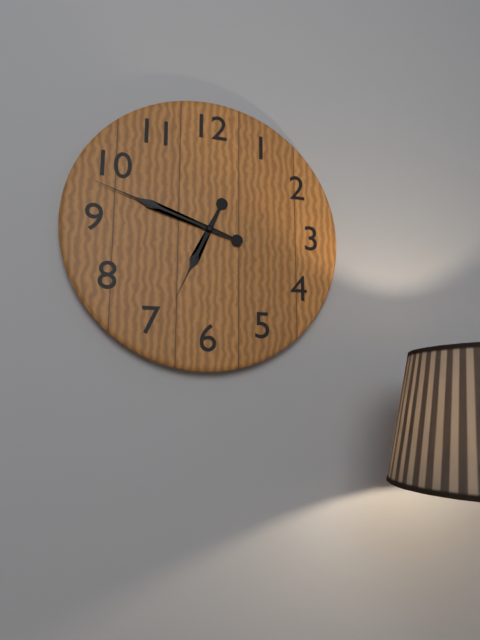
6:48
